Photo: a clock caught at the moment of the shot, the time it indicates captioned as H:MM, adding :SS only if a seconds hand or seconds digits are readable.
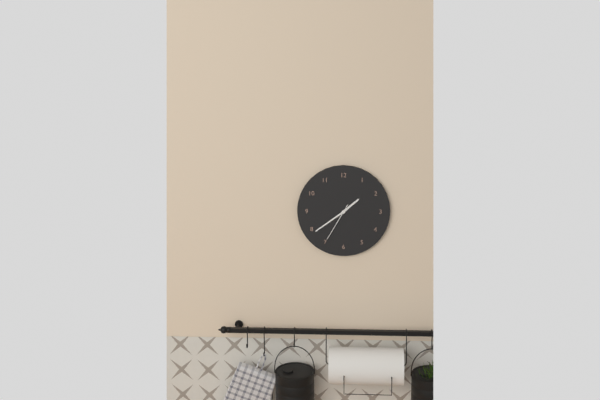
1:39
